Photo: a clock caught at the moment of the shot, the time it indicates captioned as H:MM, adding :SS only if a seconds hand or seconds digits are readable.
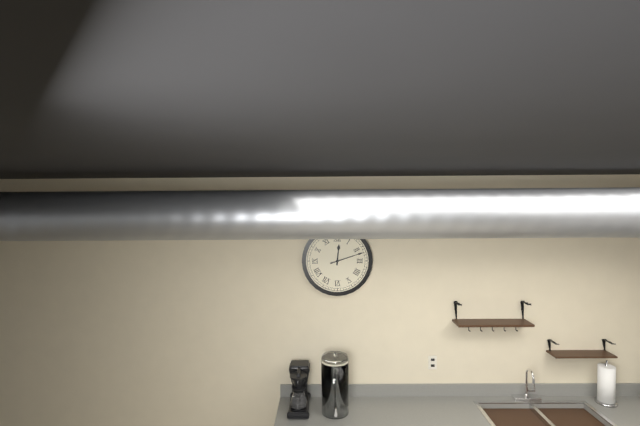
12:12
